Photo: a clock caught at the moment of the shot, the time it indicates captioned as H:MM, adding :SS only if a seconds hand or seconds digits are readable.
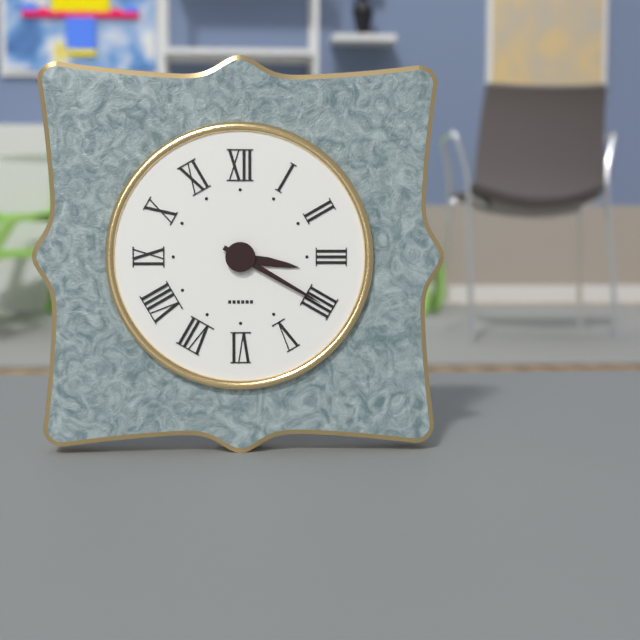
3:20
